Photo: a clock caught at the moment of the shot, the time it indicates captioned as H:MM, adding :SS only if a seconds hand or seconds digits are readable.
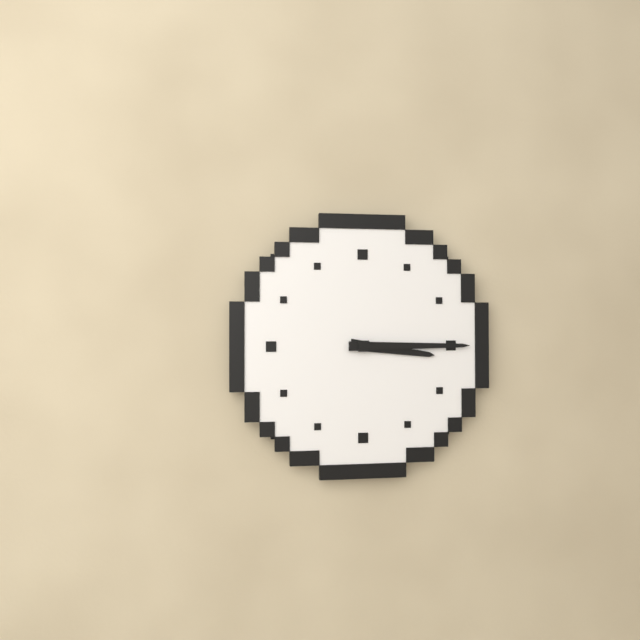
3:15
